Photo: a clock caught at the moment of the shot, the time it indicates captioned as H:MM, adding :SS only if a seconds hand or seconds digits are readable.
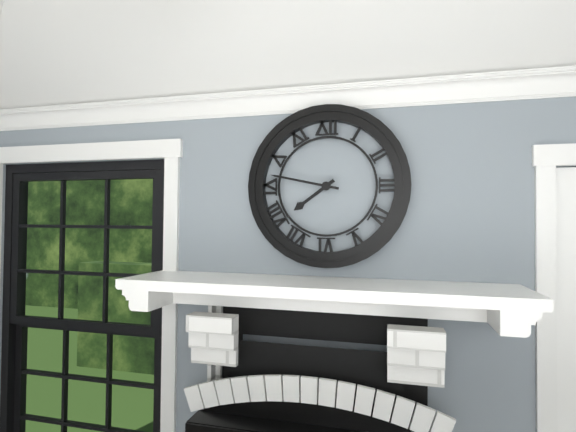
7:47
